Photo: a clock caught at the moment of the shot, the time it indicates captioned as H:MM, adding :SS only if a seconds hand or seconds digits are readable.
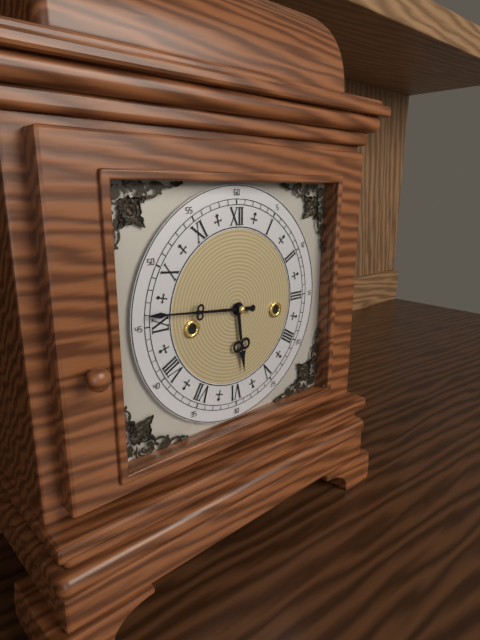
5:46
